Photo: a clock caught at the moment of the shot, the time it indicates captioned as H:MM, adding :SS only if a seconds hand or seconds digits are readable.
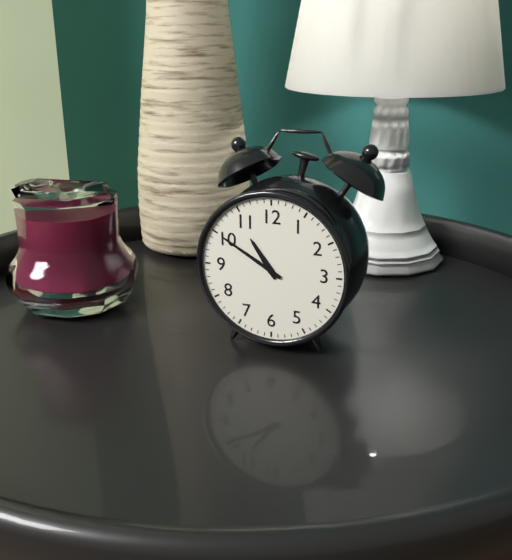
10:50
